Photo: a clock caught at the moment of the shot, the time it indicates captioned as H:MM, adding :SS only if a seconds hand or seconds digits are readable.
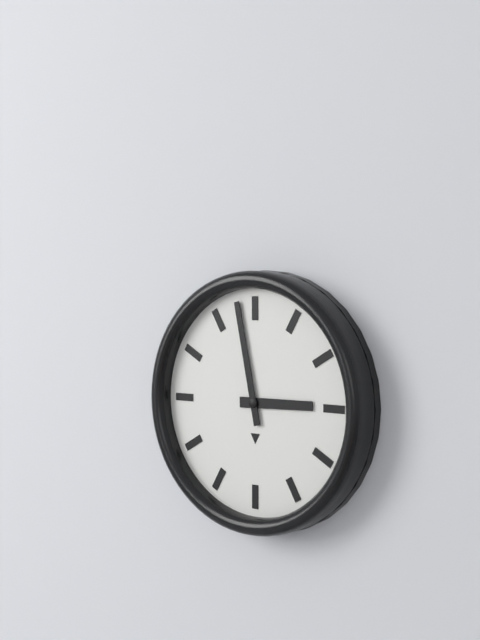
2:58
